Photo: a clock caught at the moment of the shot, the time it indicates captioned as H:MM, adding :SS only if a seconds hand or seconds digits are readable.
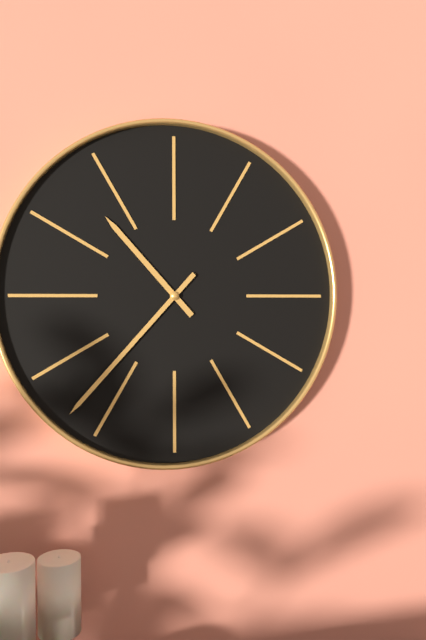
10:37
